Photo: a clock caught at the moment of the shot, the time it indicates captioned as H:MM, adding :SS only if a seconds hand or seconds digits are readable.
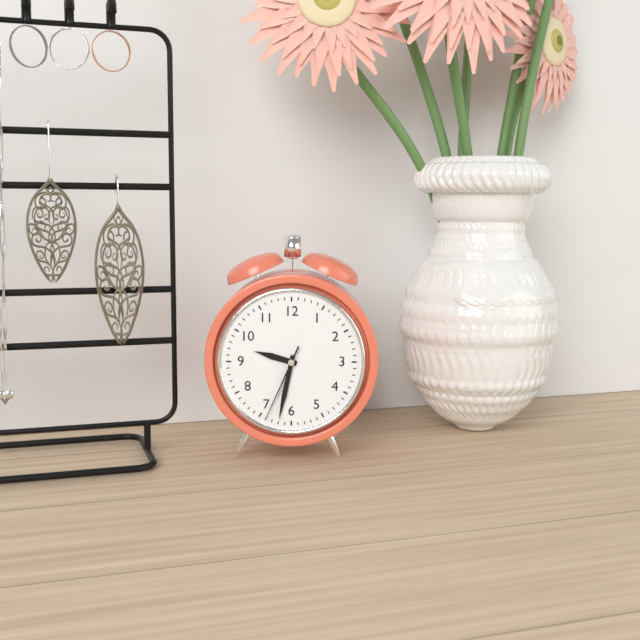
9:32:34
